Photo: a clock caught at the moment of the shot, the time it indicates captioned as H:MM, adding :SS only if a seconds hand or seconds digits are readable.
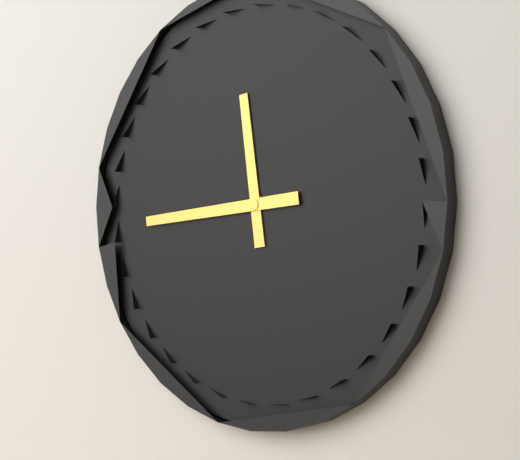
11:44
